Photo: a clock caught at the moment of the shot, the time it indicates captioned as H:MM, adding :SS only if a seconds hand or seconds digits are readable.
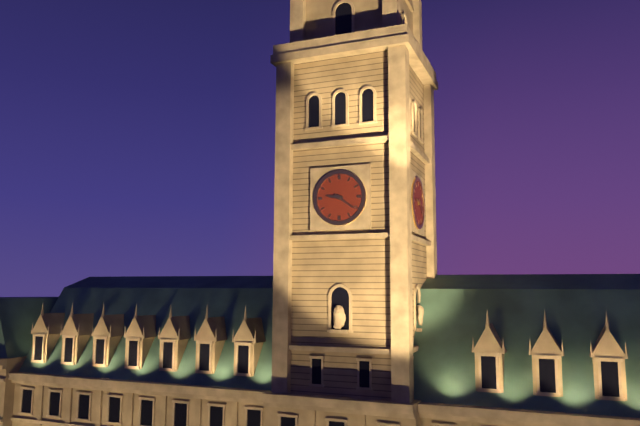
9:21
